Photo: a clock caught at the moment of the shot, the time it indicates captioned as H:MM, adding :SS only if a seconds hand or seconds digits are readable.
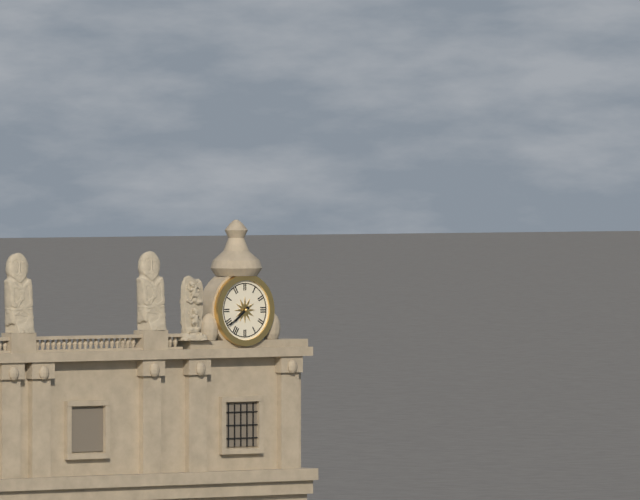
7:39
